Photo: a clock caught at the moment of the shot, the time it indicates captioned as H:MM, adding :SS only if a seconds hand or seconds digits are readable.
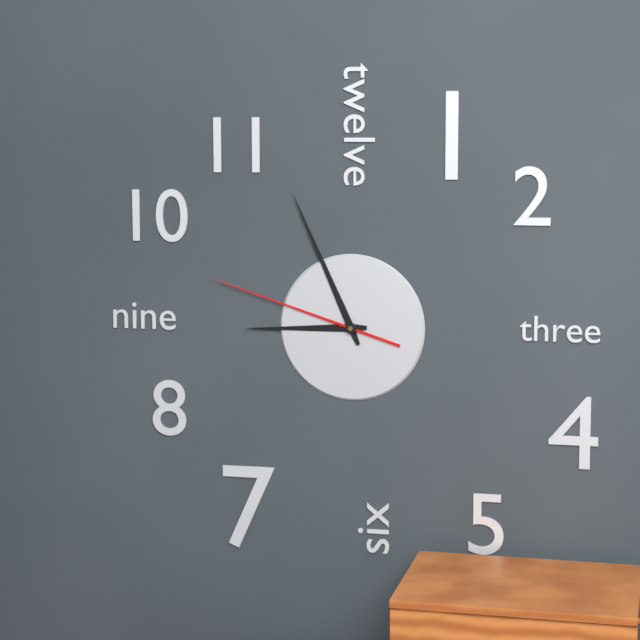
8:56:48
